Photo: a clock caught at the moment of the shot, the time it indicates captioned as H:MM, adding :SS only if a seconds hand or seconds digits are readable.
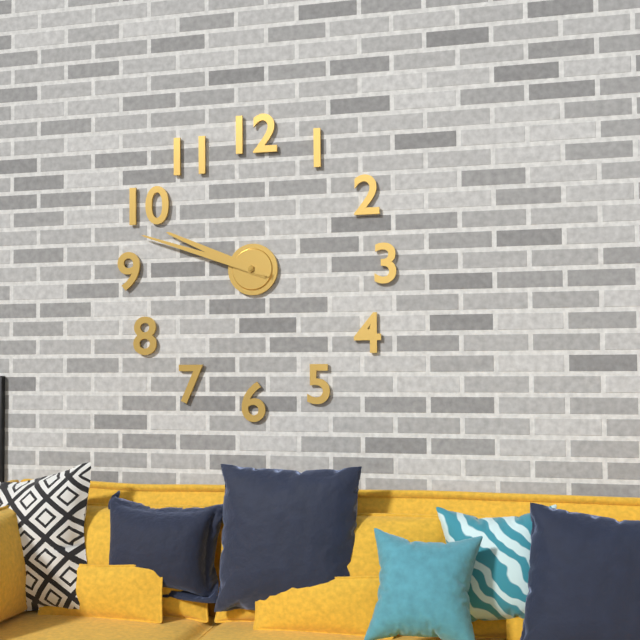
9:48
